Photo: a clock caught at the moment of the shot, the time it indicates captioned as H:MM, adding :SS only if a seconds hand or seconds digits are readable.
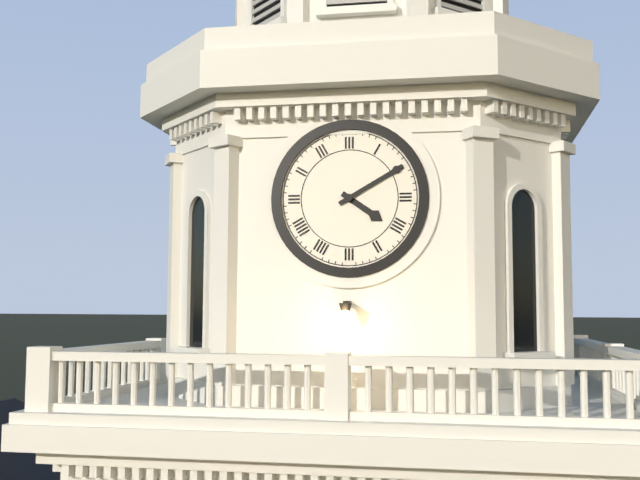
4:10
